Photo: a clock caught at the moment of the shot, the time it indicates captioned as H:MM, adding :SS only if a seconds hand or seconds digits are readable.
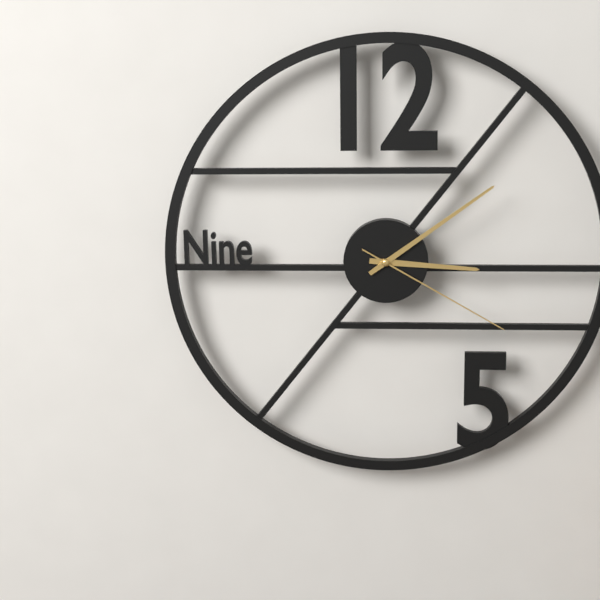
3:09:20
